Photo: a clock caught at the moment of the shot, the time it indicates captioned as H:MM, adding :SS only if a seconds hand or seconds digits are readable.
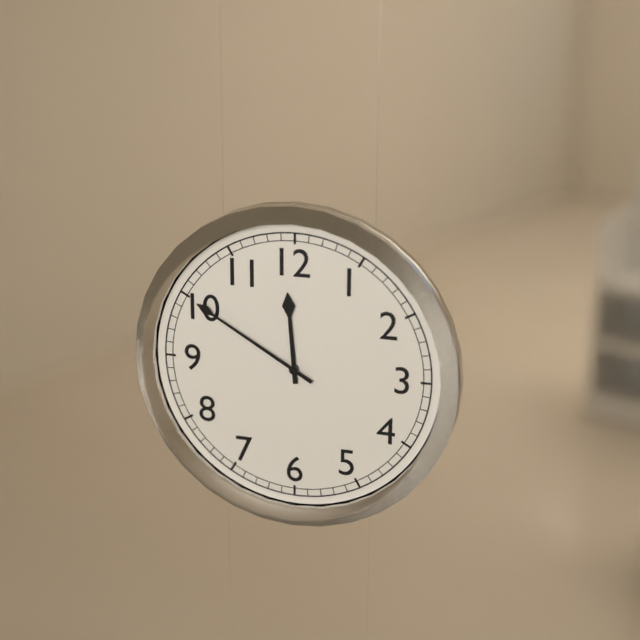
11:50
